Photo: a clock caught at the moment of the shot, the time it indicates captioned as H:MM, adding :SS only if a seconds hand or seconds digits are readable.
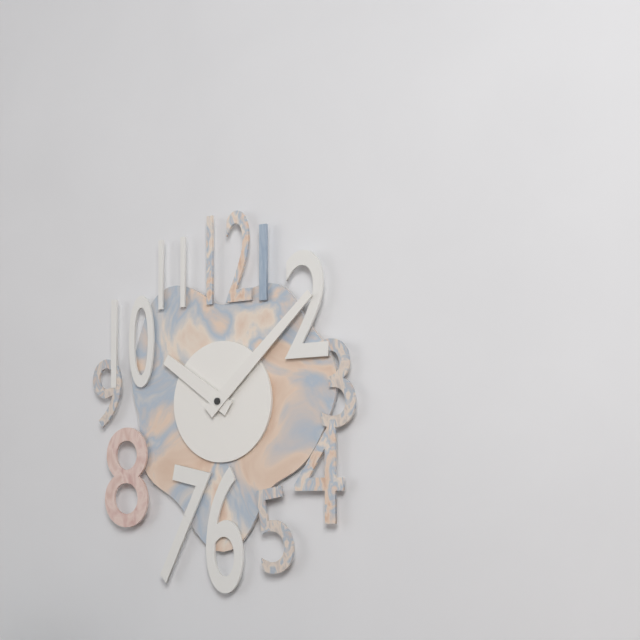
10:08
